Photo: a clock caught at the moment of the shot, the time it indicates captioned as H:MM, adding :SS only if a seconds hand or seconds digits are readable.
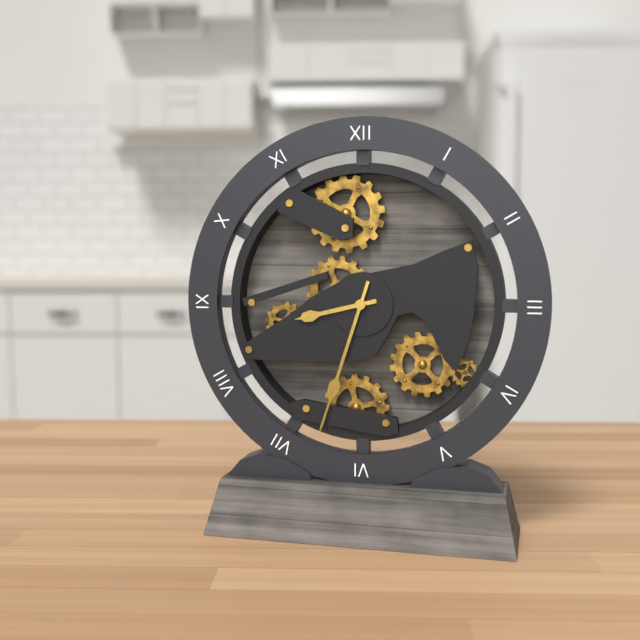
8:33
